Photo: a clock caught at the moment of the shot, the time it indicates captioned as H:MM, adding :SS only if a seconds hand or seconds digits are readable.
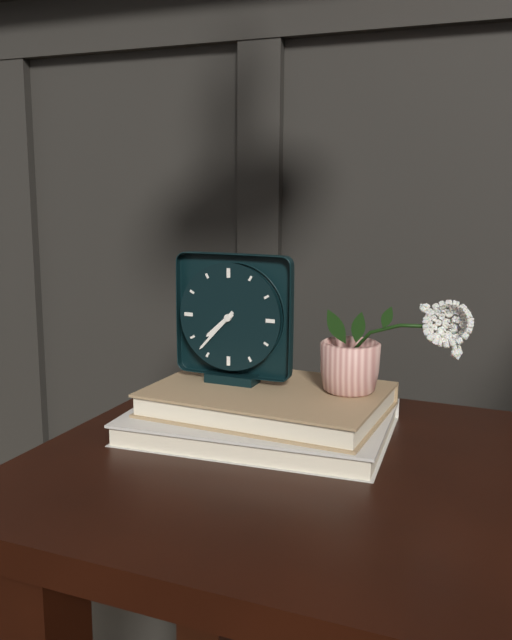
7:37
